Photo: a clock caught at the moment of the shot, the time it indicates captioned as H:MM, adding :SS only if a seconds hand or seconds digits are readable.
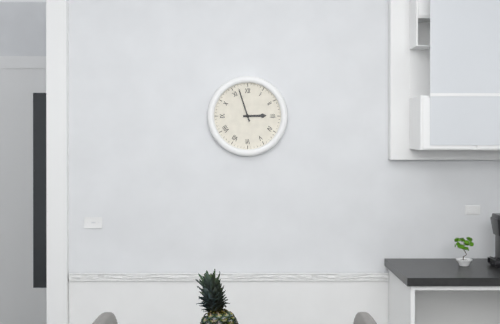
2:57
